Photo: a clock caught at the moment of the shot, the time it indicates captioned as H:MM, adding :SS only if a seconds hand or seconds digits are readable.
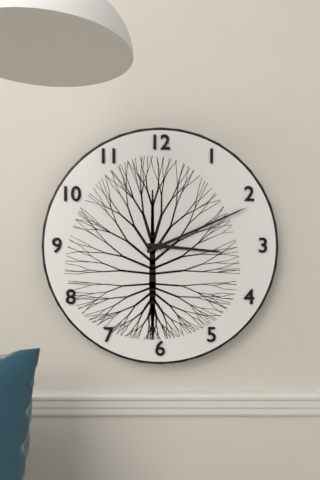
3:11
